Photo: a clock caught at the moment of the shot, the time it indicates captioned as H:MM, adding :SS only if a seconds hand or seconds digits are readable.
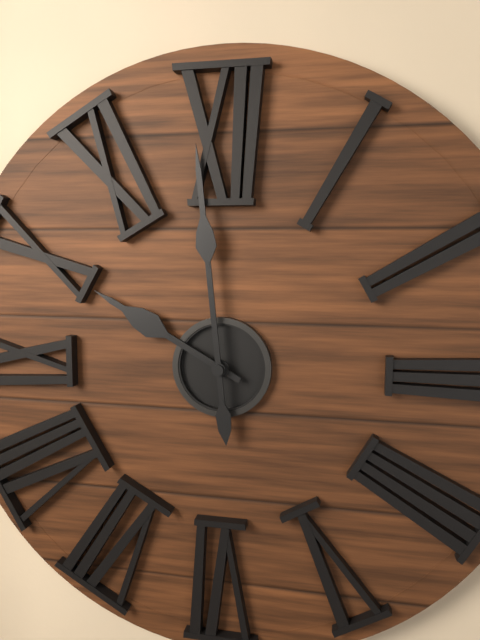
9:59
